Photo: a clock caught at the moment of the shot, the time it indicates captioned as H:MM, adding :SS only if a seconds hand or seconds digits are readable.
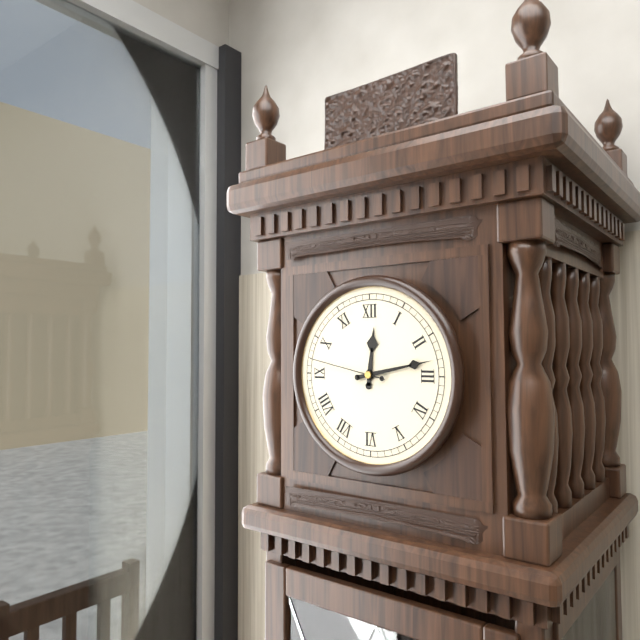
12:13:47
